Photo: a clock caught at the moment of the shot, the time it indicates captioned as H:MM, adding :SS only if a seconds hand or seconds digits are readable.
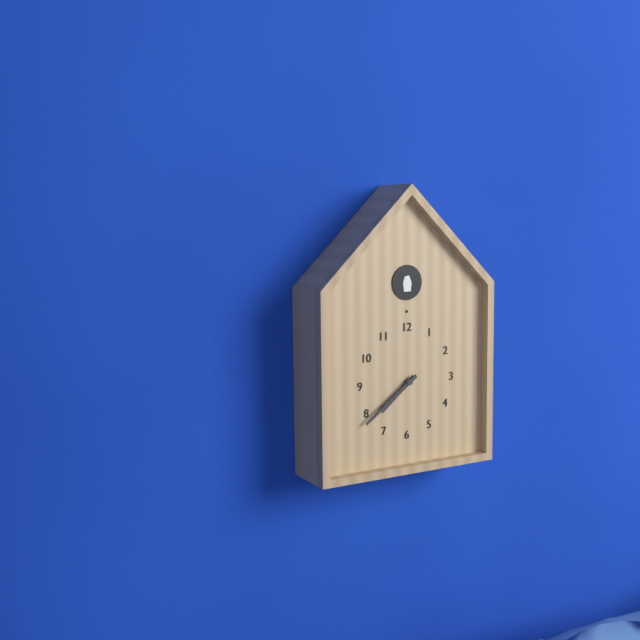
7:39
